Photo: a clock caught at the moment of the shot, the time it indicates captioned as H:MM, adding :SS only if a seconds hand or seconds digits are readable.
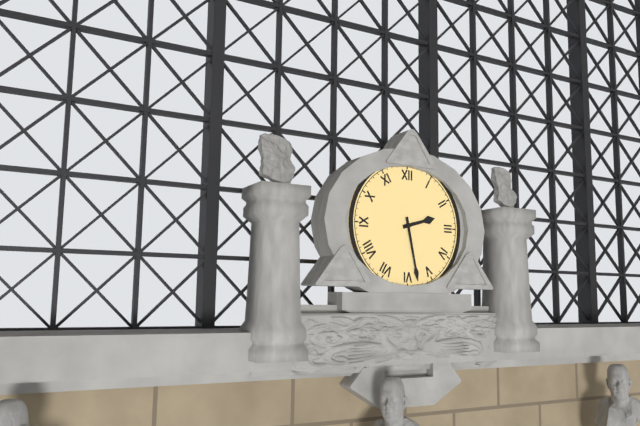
2:28
